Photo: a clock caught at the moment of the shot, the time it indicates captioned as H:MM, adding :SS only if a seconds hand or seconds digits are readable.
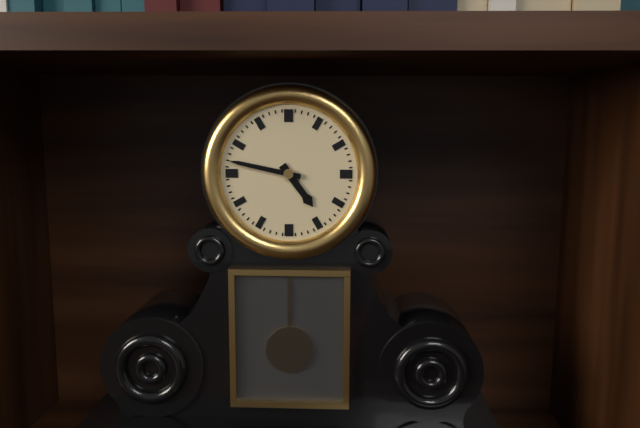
4:47
